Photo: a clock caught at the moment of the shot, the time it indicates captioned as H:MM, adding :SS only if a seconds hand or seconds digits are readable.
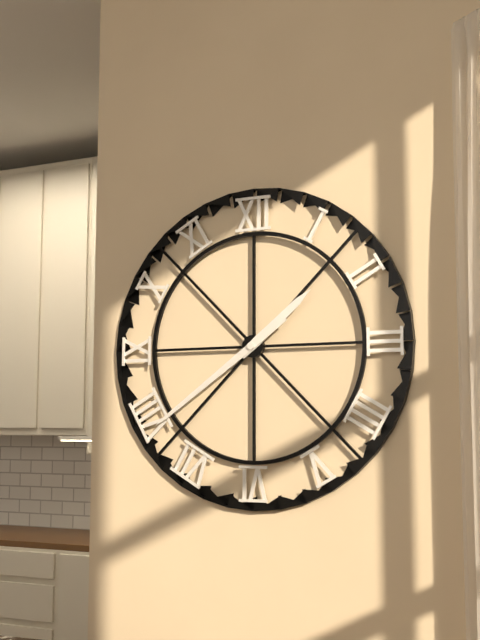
1:39
